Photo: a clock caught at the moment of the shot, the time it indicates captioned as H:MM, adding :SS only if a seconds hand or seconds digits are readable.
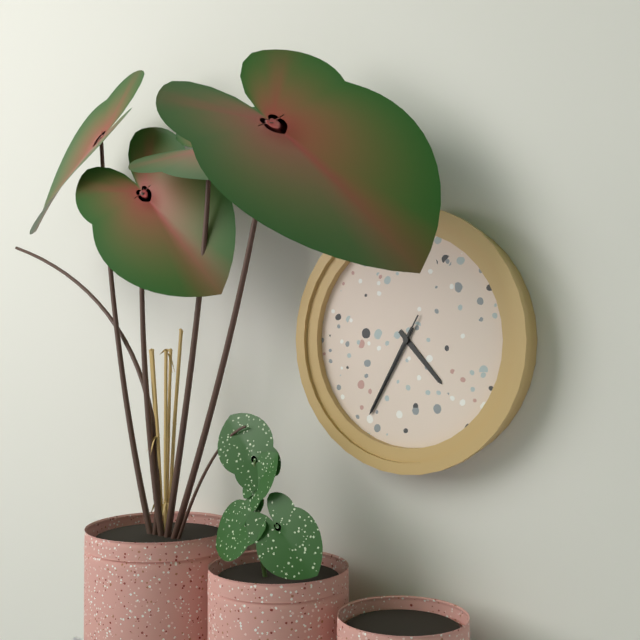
4:35:35
